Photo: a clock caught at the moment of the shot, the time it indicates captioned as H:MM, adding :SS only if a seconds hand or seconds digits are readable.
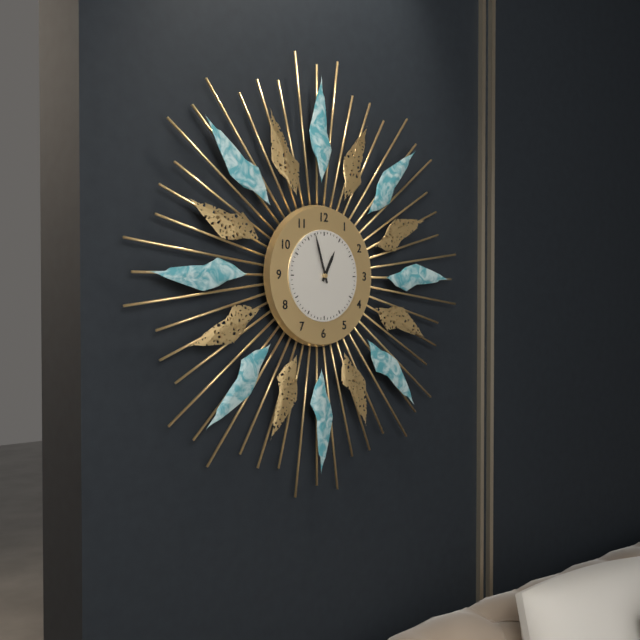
12:57
